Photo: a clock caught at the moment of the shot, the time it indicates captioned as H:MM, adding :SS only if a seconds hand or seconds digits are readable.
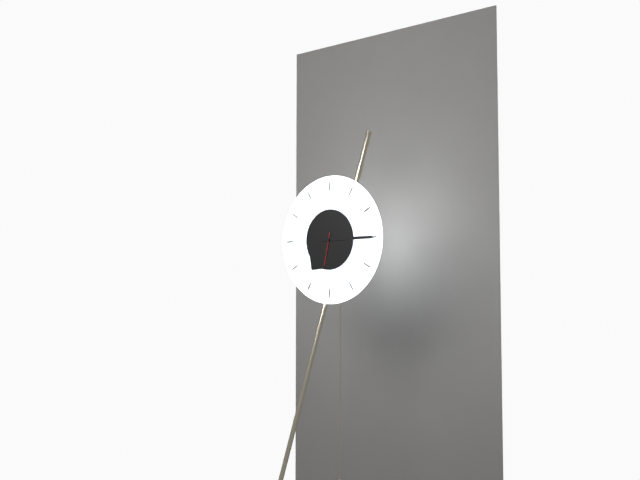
7:15:32
